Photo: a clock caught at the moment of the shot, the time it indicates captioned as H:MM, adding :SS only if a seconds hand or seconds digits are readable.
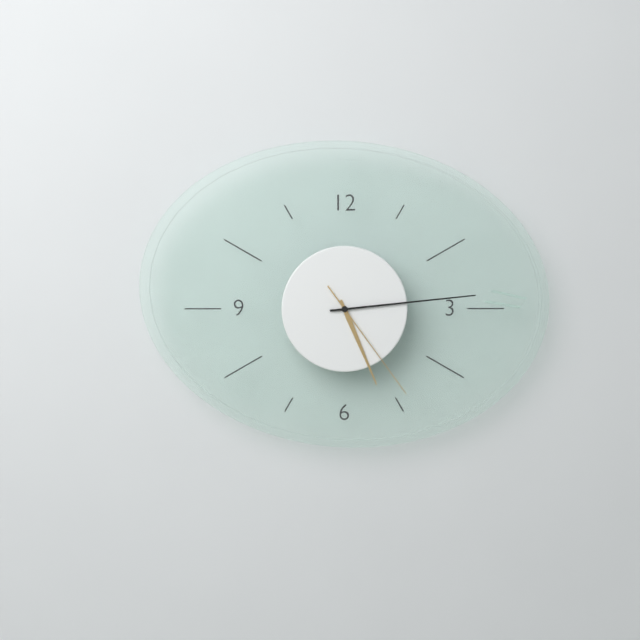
5:14:24
